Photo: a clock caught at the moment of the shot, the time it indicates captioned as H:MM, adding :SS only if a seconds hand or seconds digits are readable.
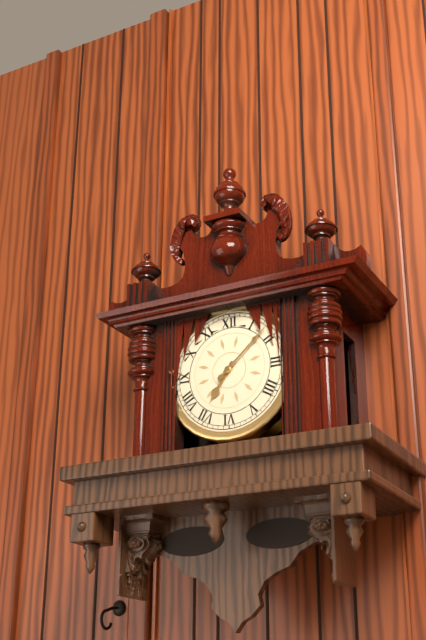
7:08
